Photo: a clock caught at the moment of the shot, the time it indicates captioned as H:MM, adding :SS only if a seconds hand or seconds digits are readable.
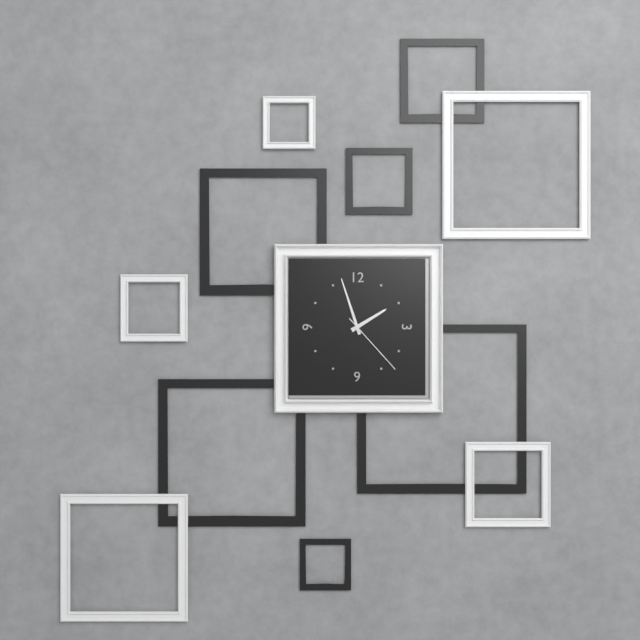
1:57:23
